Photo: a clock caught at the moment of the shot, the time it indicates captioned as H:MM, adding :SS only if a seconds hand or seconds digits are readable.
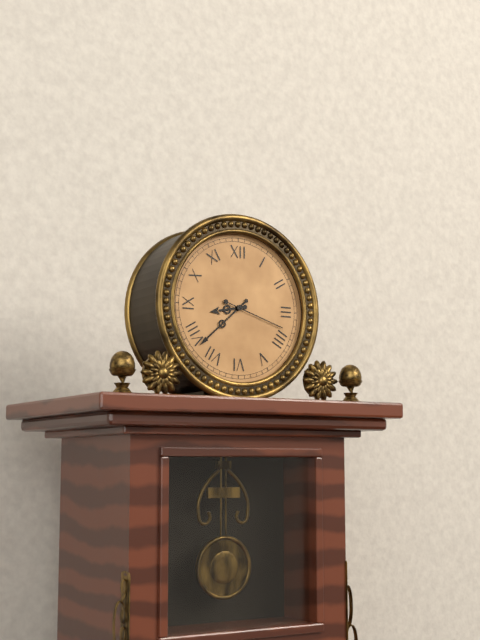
8:38:18
